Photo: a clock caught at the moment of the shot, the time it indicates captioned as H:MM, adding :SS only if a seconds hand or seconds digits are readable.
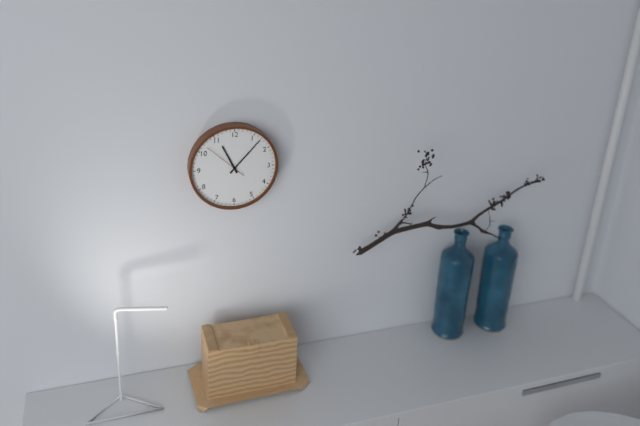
11:07
